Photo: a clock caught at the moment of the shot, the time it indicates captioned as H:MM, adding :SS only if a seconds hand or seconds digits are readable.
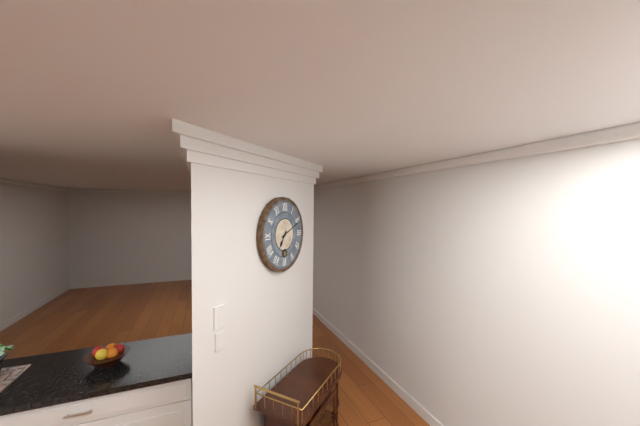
7:11
